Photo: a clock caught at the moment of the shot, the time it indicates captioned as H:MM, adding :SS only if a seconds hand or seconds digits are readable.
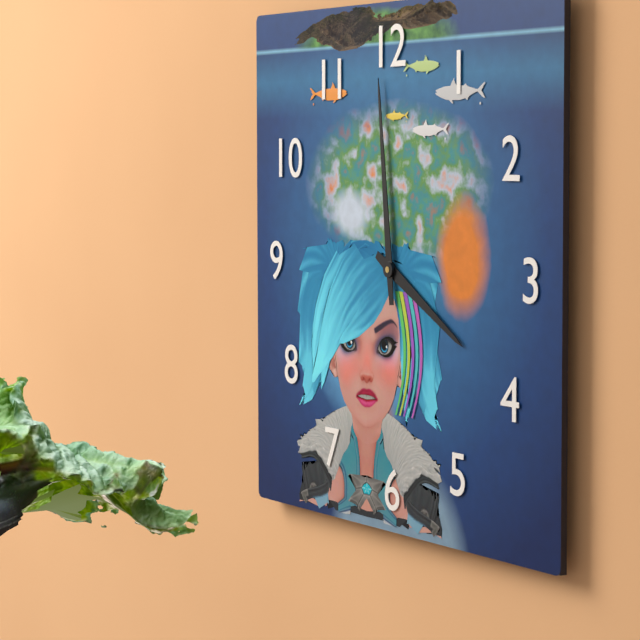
3:59
